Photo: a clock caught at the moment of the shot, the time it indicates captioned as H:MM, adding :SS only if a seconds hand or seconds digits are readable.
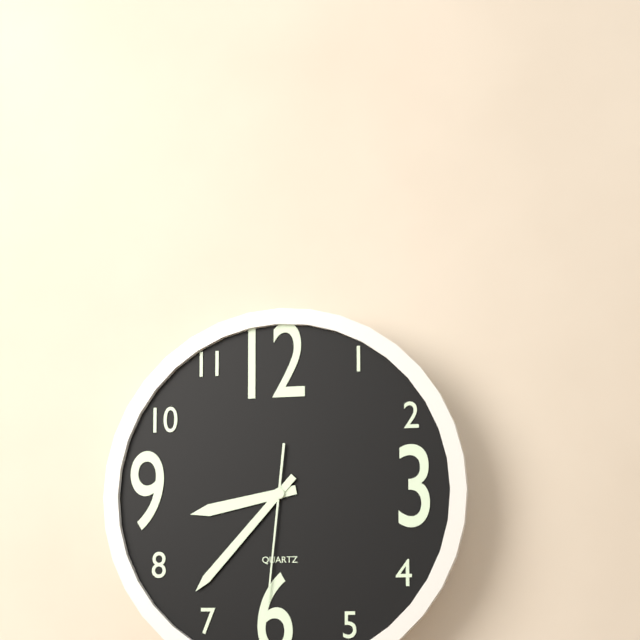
8:37:31
